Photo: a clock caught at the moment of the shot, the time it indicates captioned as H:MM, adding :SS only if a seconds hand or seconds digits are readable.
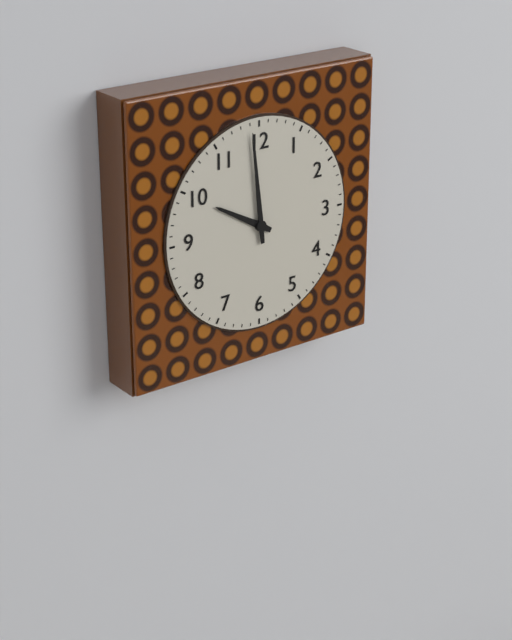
9:59
